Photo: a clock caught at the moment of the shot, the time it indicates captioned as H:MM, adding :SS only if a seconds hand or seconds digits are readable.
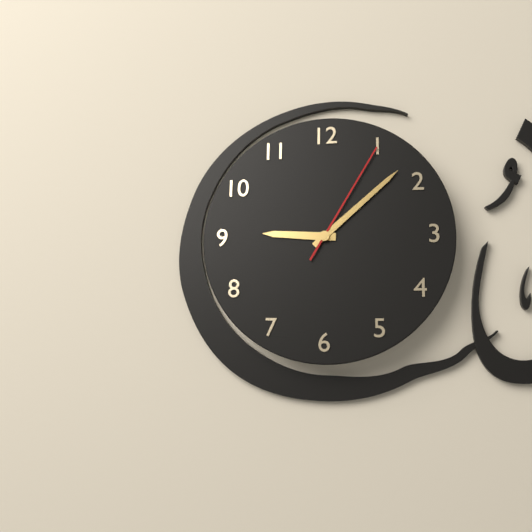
9:08:05
